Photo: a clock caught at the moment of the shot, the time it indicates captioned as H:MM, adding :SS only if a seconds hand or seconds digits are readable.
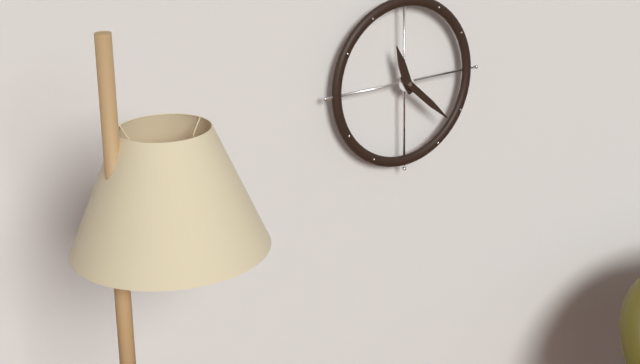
11:22
